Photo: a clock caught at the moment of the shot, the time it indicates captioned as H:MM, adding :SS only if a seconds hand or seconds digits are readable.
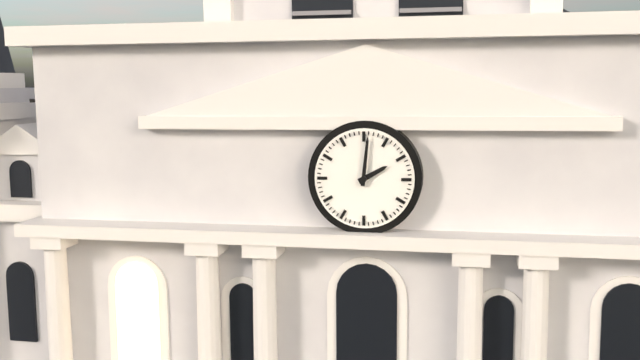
2:01
